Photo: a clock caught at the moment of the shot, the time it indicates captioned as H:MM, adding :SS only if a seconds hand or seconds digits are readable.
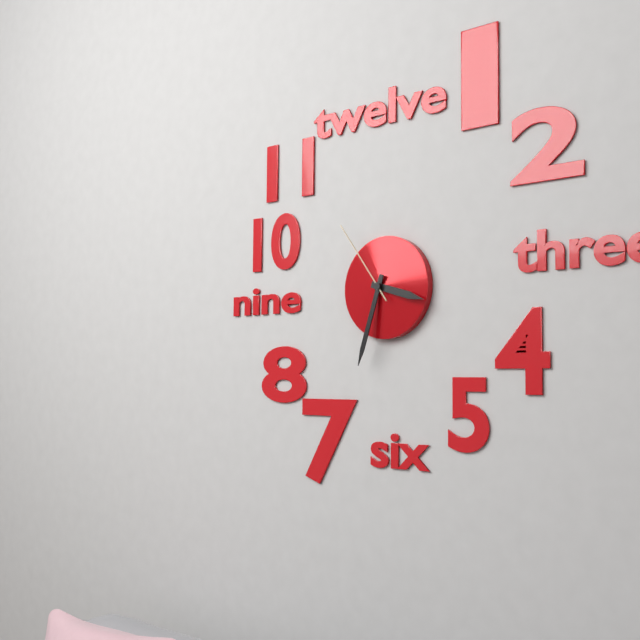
3:33:54
